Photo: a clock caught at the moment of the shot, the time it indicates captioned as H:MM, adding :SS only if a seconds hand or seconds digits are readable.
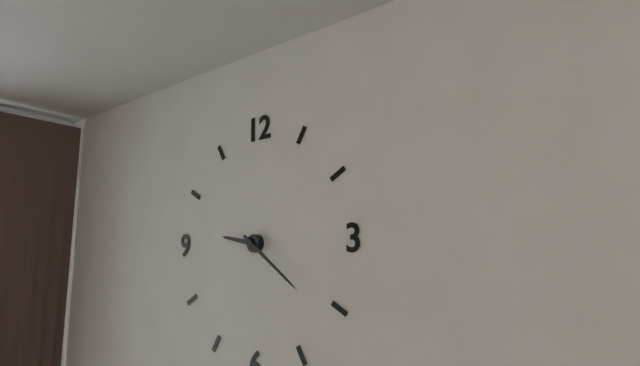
9:21
